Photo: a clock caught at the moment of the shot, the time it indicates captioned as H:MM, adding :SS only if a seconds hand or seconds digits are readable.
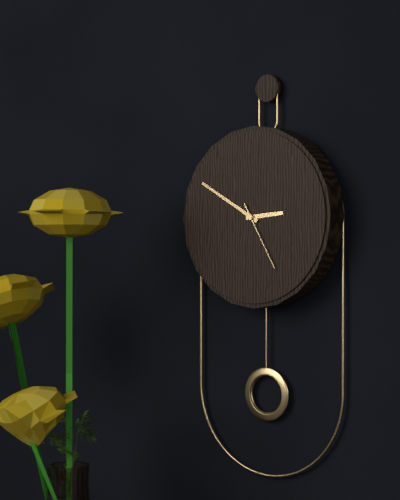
2:50:25
